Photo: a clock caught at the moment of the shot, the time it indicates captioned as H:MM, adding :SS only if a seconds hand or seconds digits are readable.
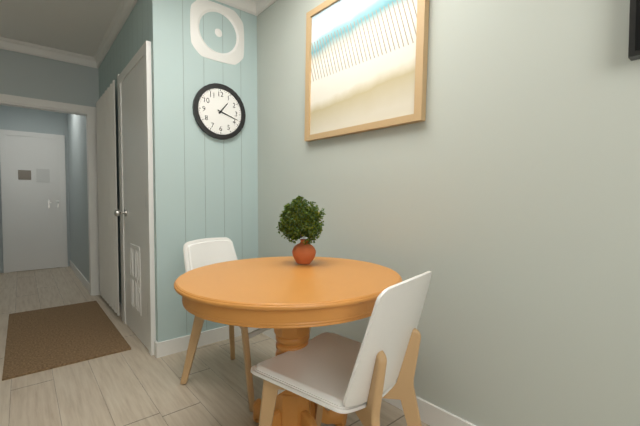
1:18
